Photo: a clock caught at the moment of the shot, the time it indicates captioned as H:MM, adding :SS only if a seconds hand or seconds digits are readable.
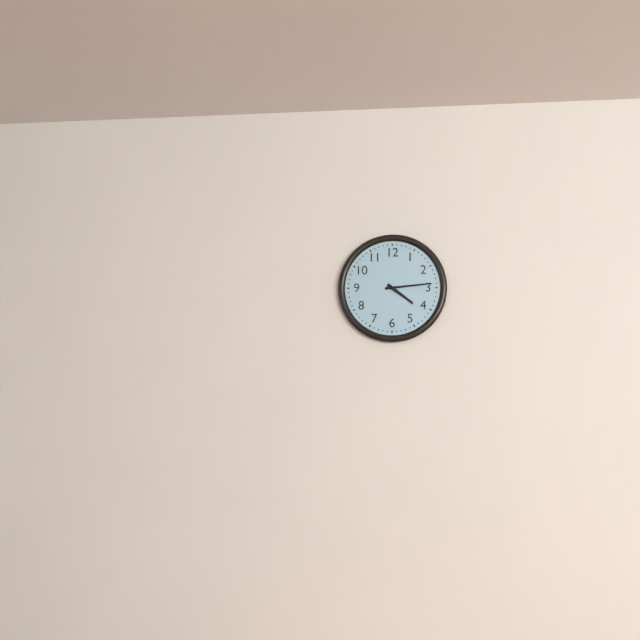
4:14
